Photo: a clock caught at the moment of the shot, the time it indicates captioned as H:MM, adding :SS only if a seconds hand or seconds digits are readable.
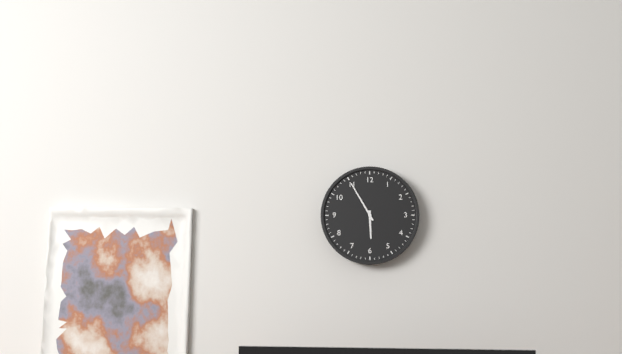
5:55
